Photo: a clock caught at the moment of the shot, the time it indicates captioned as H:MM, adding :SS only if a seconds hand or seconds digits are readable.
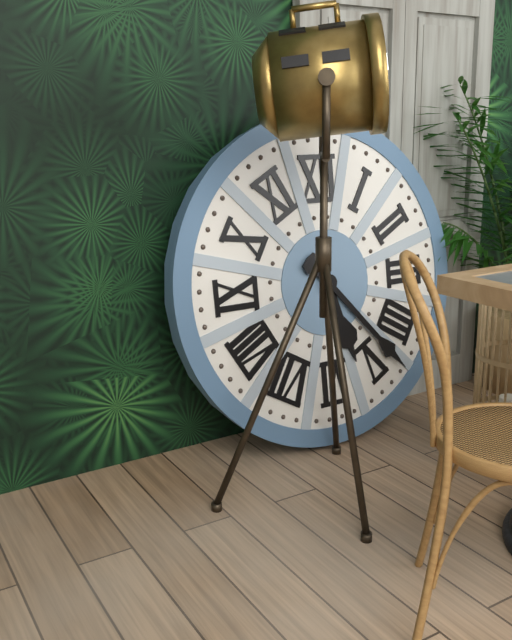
5:23
